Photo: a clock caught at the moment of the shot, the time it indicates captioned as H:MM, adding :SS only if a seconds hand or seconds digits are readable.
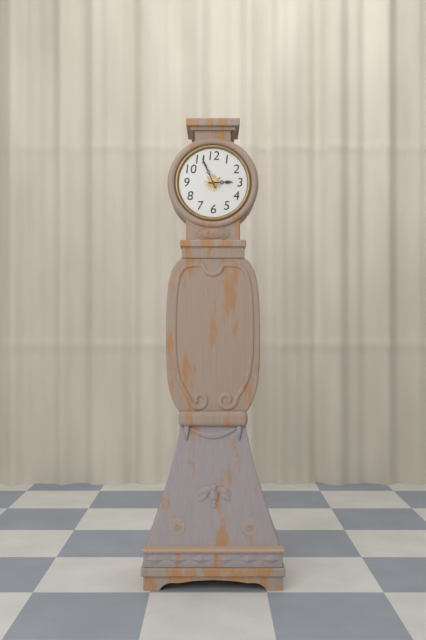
2:56
